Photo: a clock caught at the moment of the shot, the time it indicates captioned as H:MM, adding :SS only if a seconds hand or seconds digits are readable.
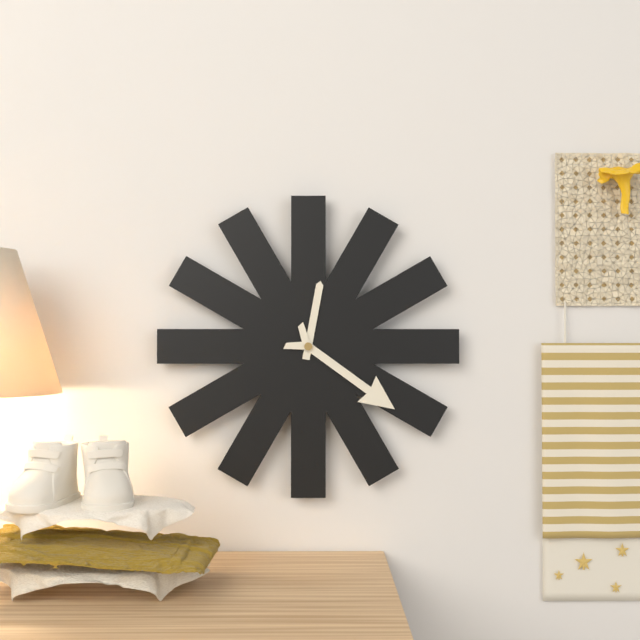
12:21
